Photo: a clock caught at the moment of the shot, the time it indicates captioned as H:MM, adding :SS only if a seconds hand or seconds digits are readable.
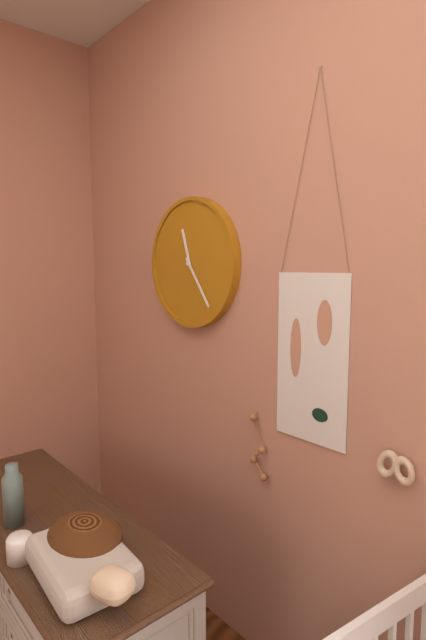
11:24
